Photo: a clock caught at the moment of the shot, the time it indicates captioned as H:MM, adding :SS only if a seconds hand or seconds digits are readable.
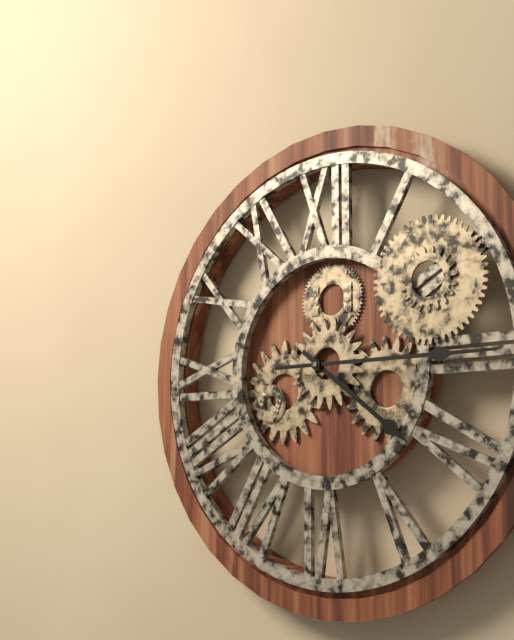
4:15
